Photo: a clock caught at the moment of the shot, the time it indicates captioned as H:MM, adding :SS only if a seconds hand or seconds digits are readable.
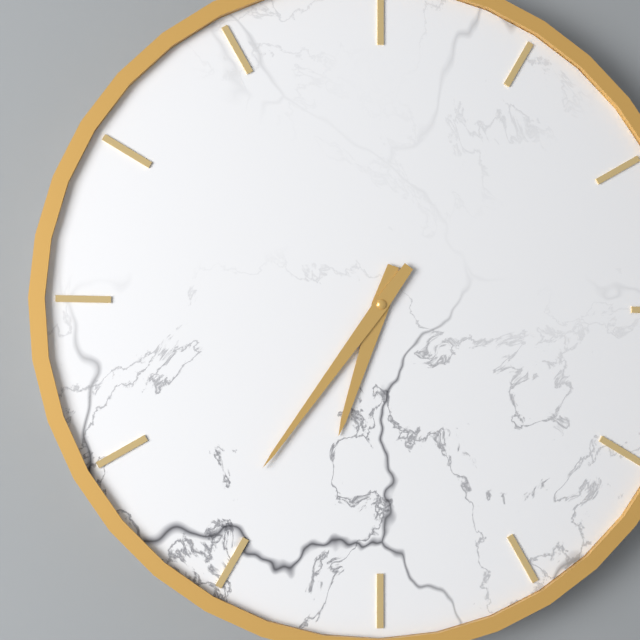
6:36
